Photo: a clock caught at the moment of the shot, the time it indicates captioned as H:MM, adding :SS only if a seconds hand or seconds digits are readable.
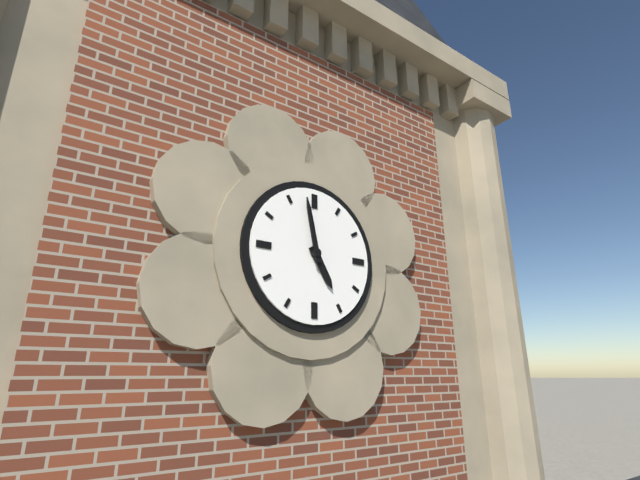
4:58
